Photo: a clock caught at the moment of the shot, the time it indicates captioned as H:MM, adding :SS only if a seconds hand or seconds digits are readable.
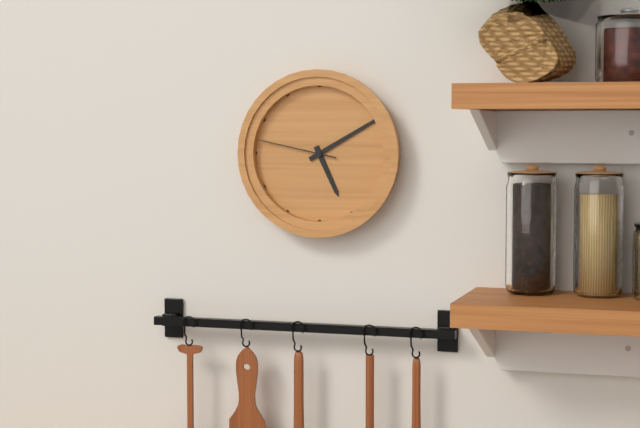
5:10:47
